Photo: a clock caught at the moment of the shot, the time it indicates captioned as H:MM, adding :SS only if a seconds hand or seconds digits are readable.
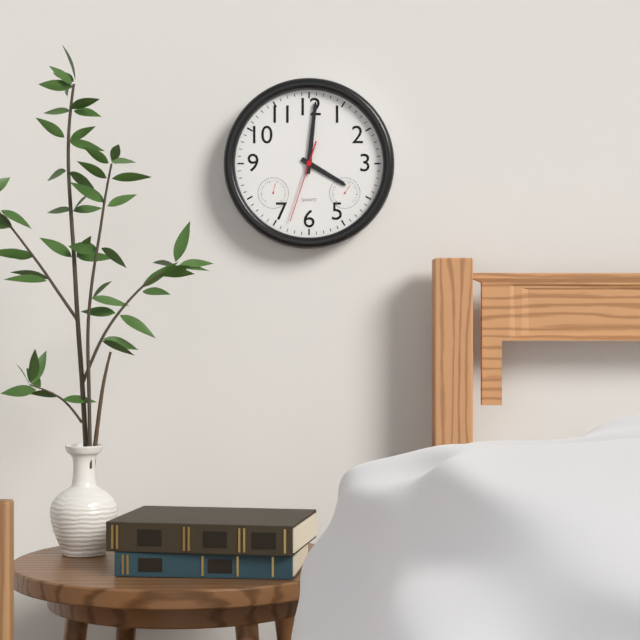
4:01:33
